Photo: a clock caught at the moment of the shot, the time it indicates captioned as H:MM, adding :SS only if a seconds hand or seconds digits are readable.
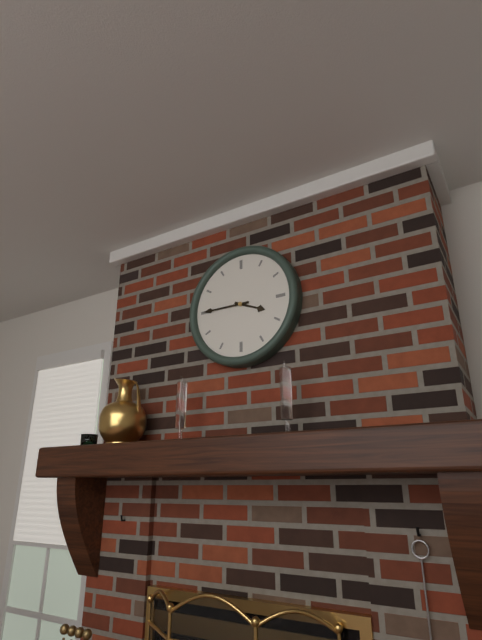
3:45
